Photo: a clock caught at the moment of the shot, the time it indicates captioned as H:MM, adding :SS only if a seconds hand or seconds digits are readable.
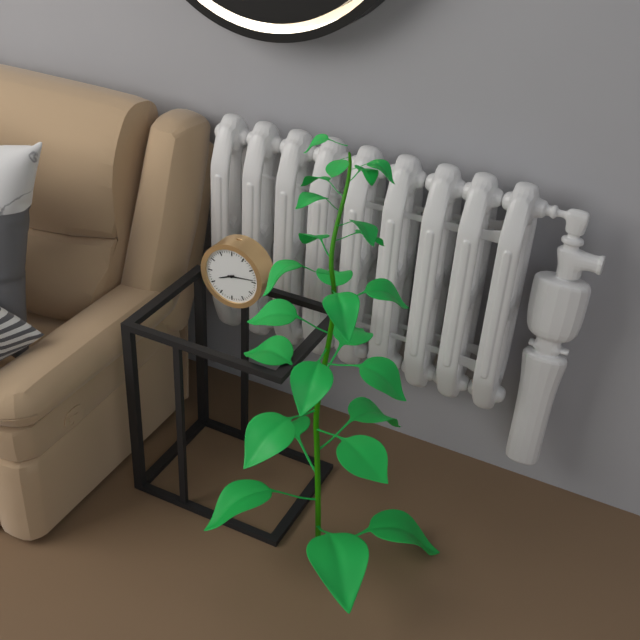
8:14
